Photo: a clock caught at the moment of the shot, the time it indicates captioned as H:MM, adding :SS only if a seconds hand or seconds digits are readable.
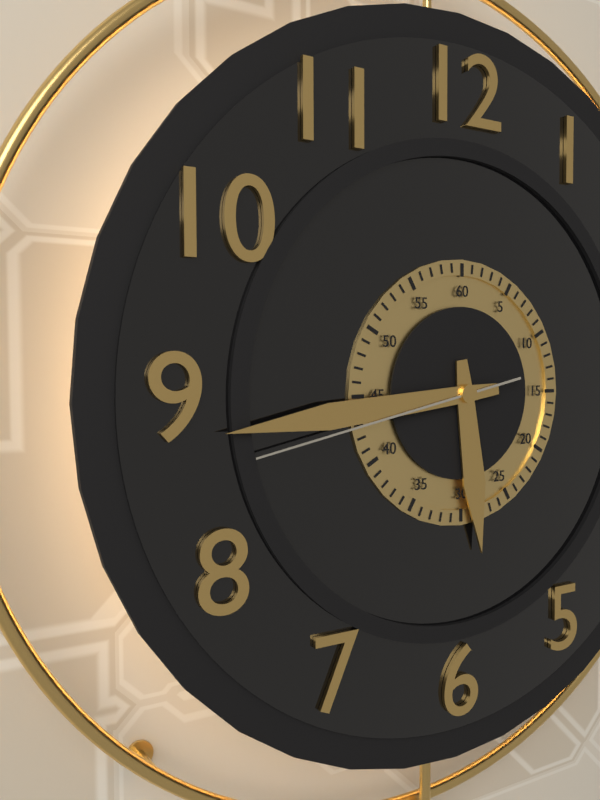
5:44:43
